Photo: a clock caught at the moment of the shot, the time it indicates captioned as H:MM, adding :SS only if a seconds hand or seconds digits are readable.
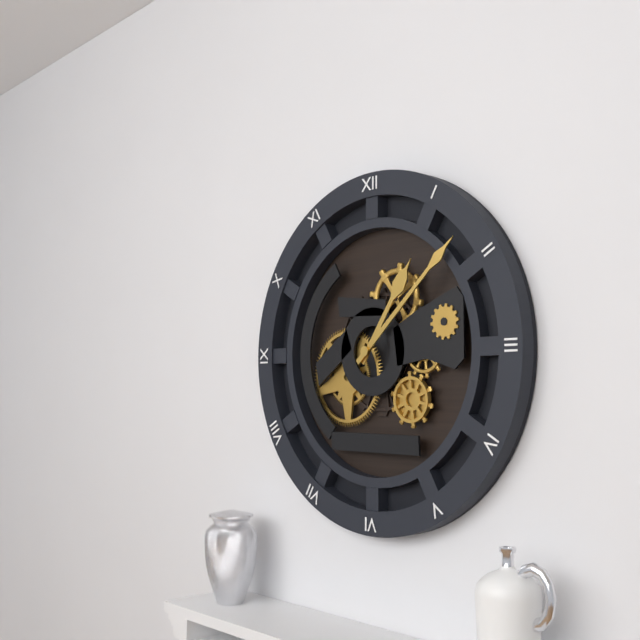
1:08
